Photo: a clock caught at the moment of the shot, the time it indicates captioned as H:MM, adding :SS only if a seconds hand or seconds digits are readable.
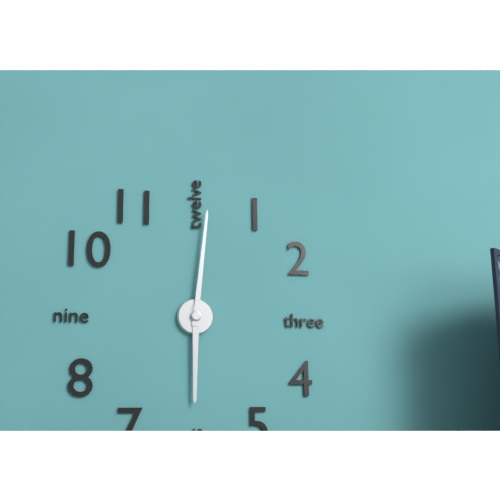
6:01
